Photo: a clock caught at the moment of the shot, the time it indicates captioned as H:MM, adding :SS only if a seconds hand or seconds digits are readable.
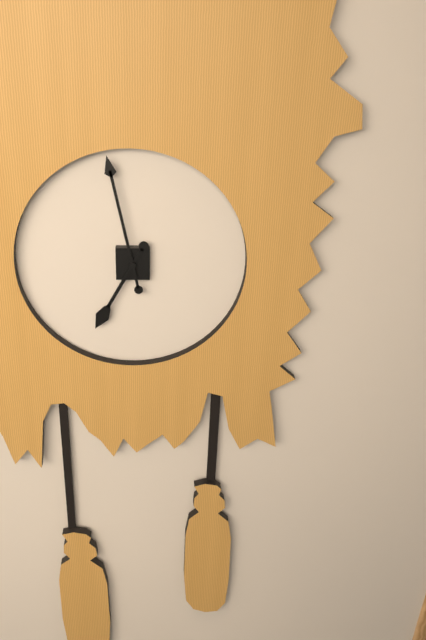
6:58
